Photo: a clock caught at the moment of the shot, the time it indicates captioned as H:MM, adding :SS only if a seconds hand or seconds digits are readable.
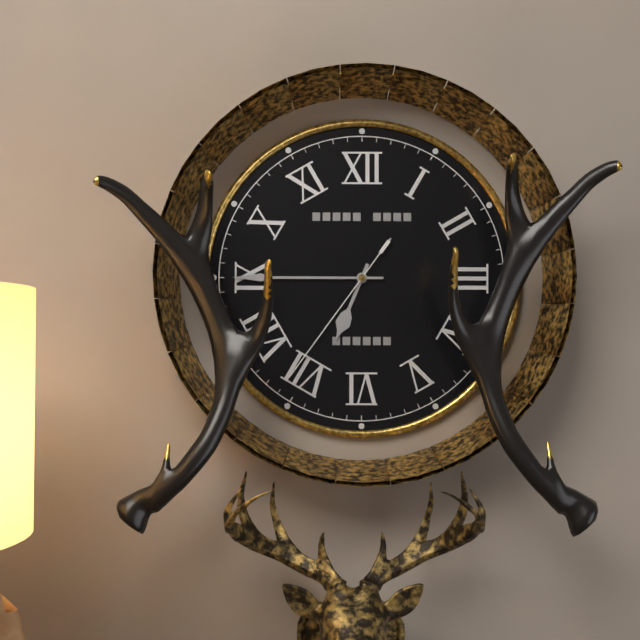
6:45:36
